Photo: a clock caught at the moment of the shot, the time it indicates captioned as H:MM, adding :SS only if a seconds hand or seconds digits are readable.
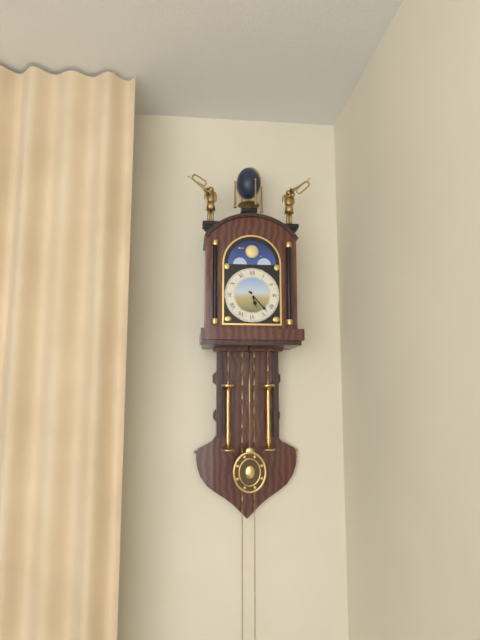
5:23
